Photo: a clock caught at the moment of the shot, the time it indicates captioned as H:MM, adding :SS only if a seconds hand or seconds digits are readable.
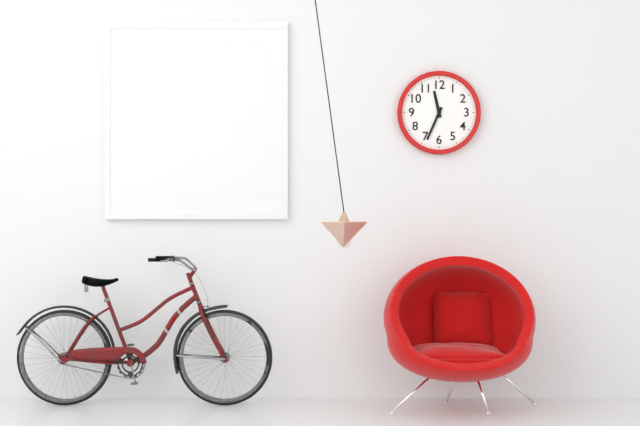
11:34
